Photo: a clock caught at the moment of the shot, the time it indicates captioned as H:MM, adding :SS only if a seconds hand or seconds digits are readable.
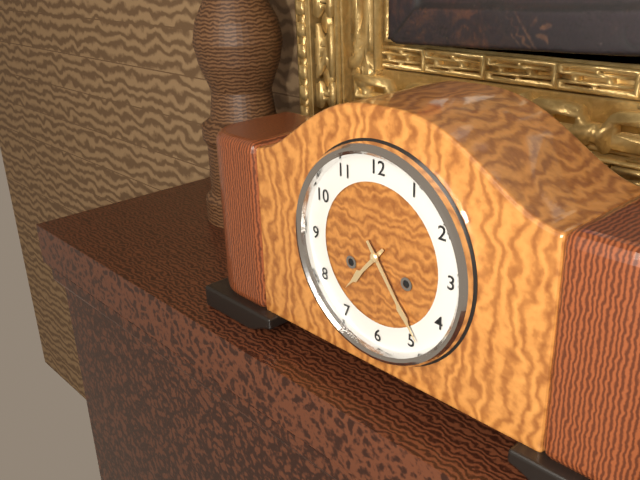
7:24
